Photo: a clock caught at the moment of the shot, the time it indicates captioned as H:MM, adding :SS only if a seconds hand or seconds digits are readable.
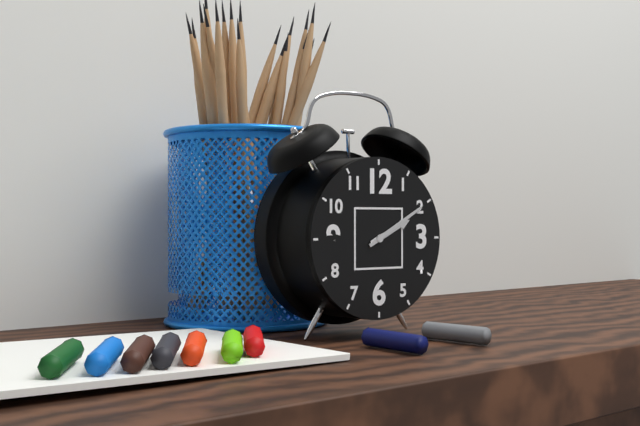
2:10
